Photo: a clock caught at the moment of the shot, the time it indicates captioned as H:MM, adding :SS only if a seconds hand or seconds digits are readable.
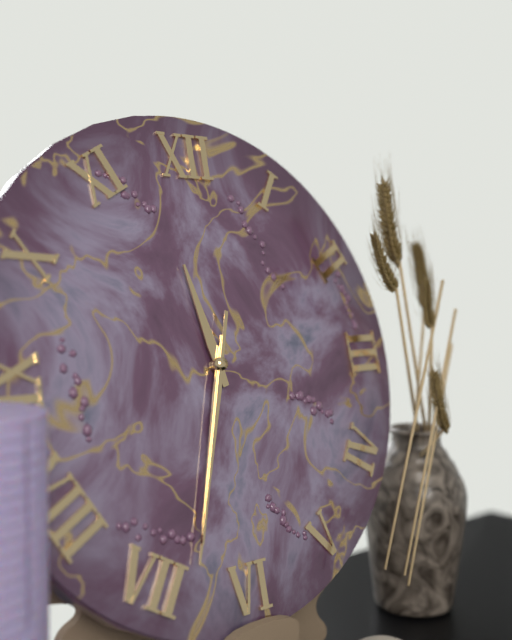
11:33:33
